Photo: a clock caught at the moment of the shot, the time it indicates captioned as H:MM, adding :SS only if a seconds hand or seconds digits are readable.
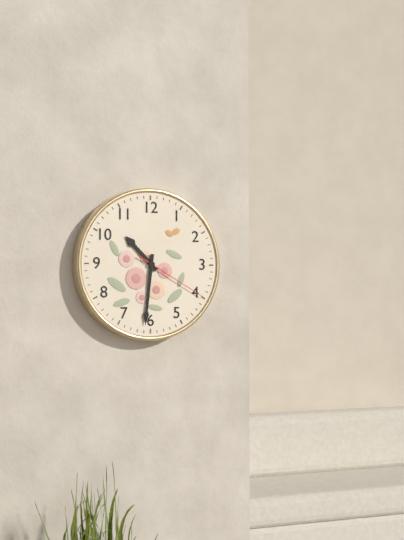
10:31:20
